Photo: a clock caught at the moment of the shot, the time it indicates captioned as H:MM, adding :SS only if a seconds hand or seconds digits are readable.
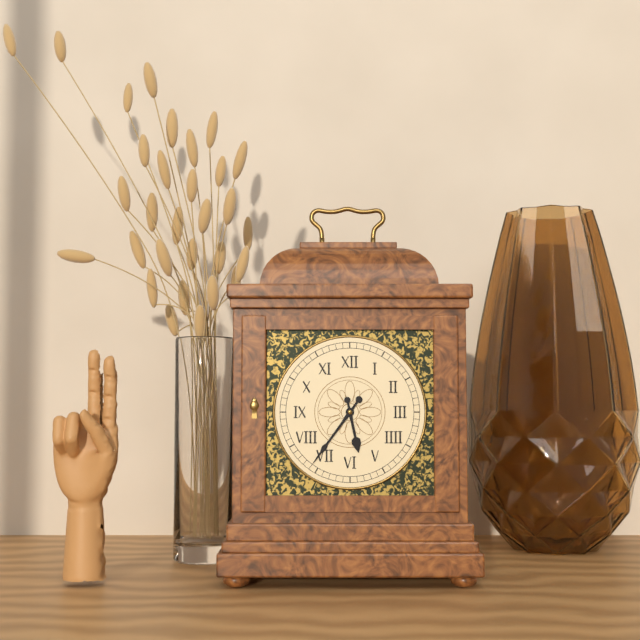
5:36
